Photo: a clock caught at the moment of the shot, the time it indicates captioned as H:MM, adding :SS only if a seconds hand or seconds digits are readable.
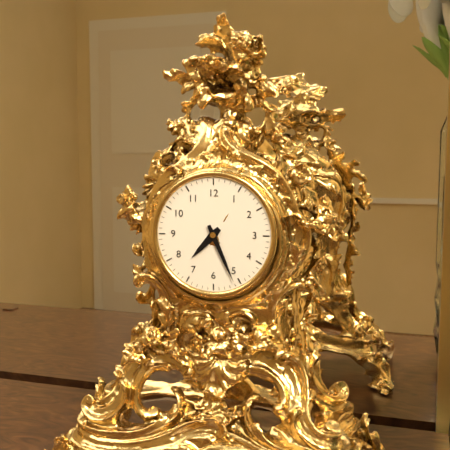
7:26
